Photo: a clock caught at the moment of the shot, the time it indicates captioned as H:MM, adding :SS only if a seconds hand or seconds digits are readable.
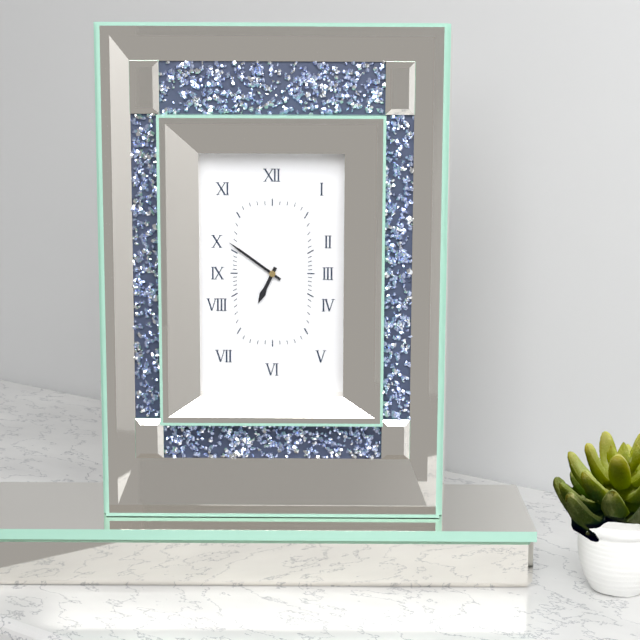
6:51
